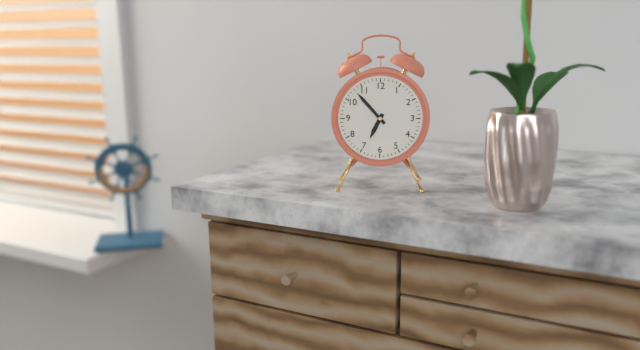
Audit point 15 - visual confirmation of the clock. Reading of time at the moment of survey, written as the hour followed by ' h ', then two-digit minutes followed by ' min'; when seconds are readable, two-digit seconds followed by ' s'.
6 h 53 min
